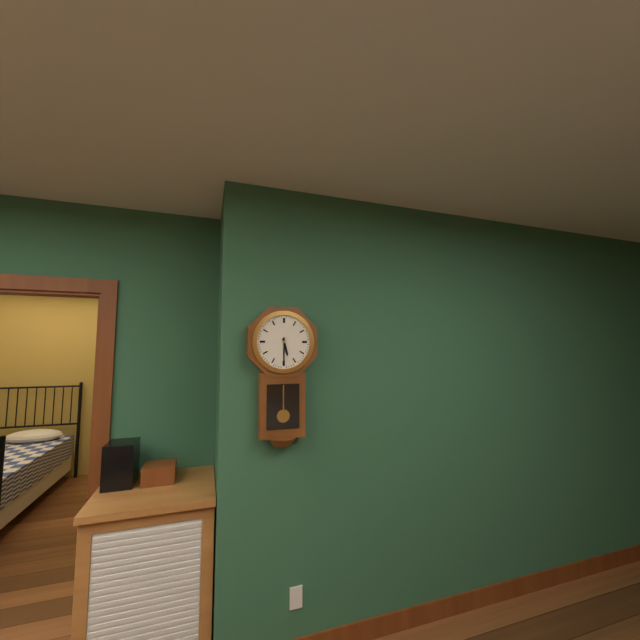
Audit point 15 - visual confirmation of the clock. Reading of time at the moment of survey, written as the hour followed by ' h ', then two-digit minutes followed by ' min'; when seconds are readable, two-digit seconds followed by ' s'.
5 h 30 min
